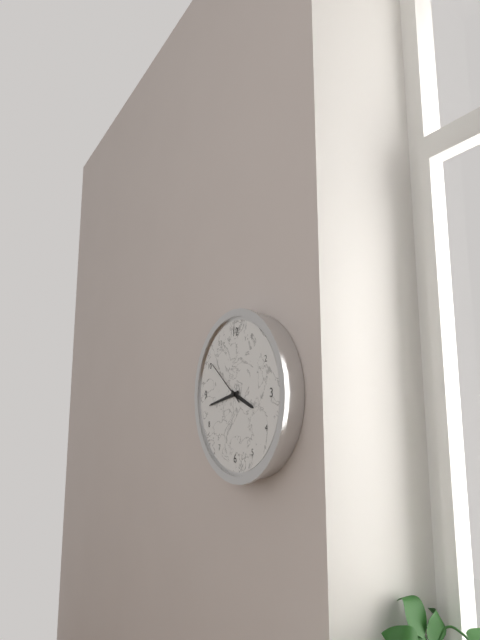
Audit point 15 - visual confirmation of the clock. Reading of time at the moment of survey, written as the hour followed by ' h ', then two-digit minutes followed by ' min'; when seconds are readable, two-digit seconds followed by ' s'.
3 h 43 min
